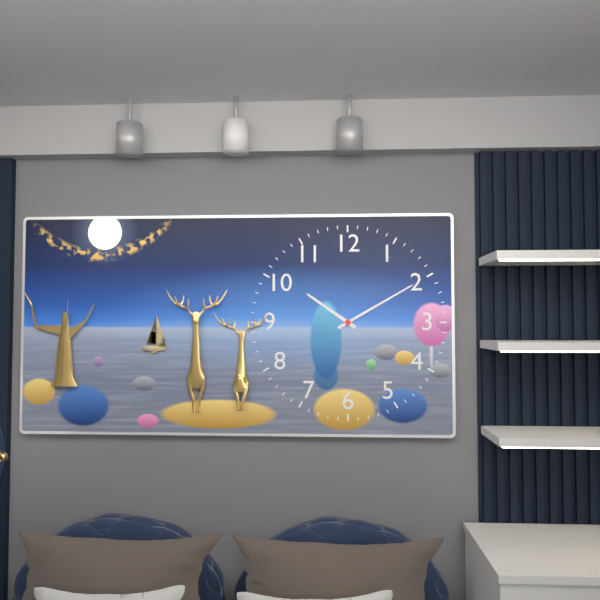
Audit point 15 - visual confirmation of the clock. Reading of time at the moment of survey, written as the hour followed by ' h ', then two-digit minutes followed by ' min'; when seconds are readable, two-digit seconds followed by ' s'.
10 h 10 min
